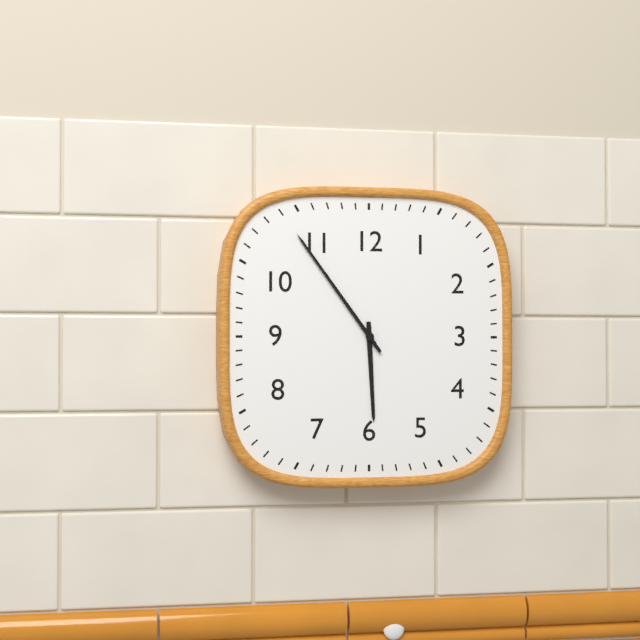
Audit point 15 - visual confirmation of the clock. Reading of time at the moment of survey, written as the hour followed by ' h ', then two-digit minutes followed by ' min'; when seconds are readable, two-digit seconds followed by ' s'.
5 h 54 min
